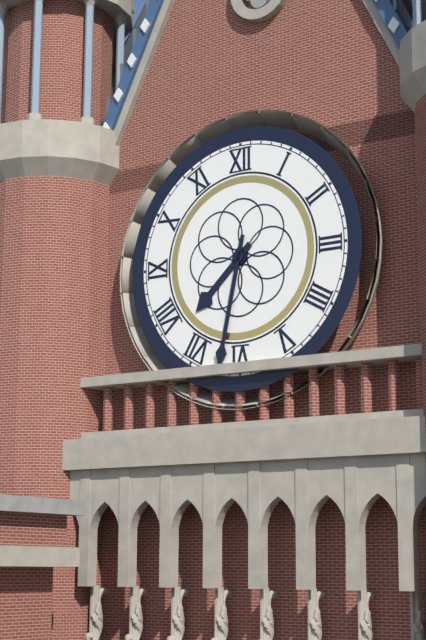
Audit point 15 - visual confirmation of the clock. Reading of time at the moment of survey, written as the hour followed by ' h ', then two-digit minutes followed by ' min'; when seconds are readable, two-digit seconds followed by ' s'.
7 h 32 min
